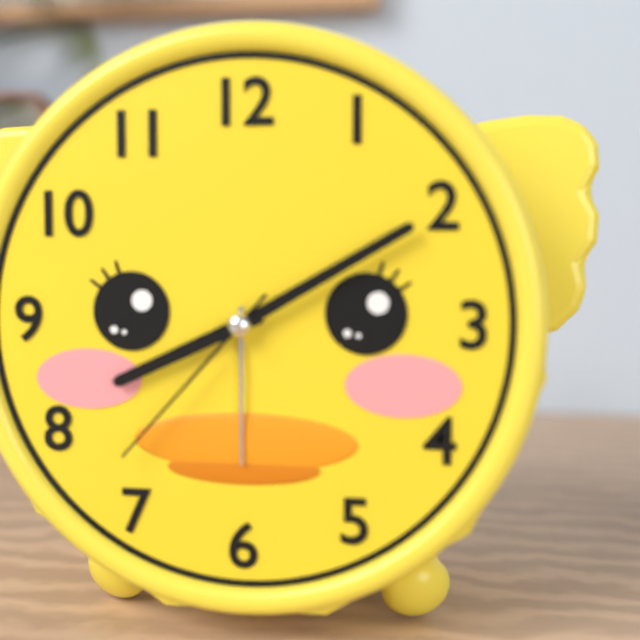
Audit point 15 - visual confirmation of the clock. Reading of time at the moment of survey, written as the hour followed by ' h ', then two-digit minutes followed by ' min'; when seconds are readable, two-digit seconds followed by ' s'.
8 h 10 min 37 s
